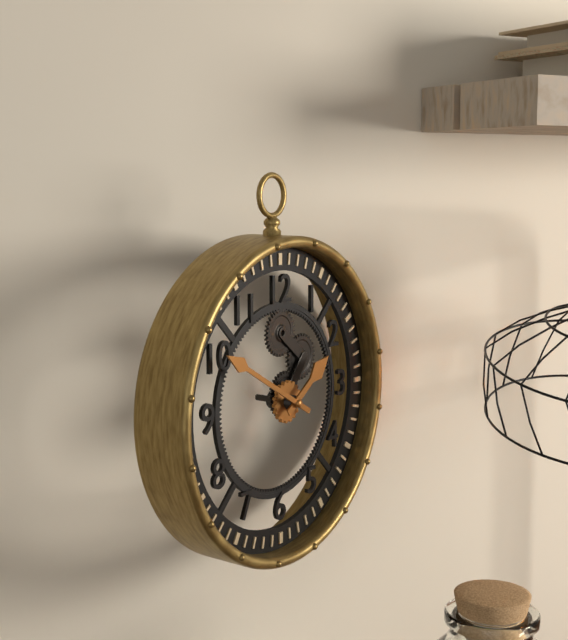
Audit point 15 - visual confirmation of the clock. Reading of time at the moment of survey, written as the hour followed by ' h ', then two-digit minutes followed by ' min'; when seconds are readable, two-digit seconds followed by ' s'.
1 h 50 min
